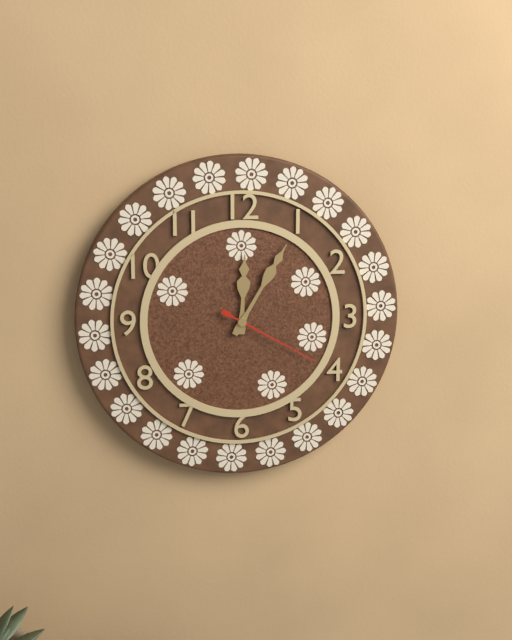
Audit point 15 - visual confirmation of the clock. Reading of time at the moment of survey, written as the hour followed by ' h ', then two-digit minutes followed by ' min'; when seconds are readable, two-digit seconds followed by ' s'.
12 h 05 min 20 s
